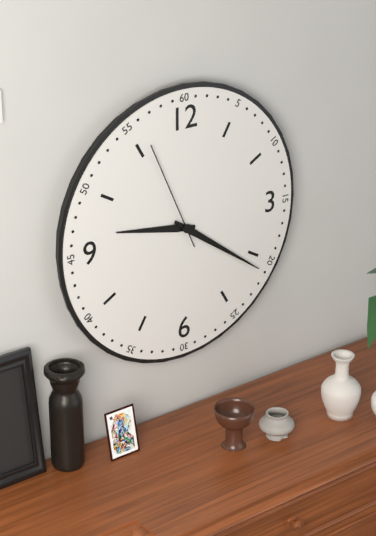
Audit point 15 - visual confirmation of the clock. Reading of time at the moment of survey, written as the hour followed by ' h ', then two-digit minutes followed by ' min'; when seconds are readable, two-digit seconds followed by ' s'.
9 h 21 min 56 s
